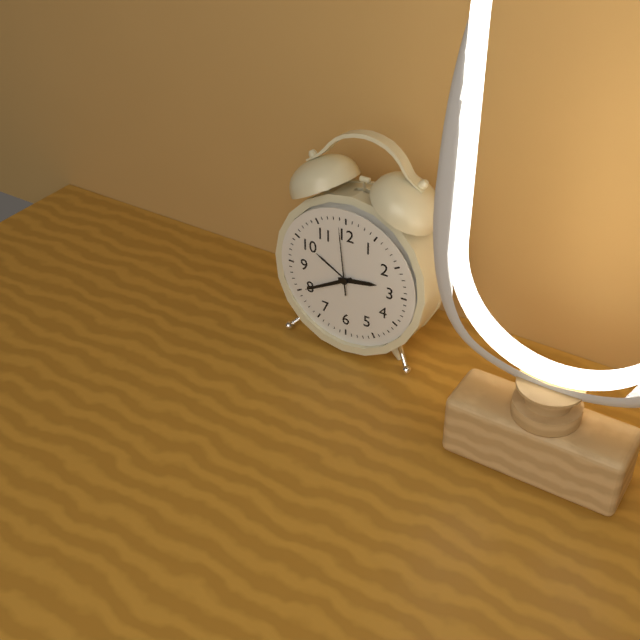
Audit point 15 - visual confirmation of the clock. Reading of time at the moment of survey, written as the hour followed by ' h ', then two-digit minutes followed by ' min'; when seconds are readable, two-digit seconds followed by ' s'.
2 h 40 min 59 s
